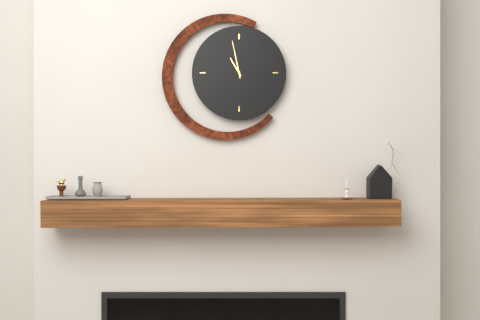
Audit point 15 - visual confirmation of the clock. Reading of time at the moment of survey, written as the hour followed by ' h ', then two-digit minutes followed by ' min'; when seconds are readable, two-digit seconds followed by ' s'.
10 h 58 min
